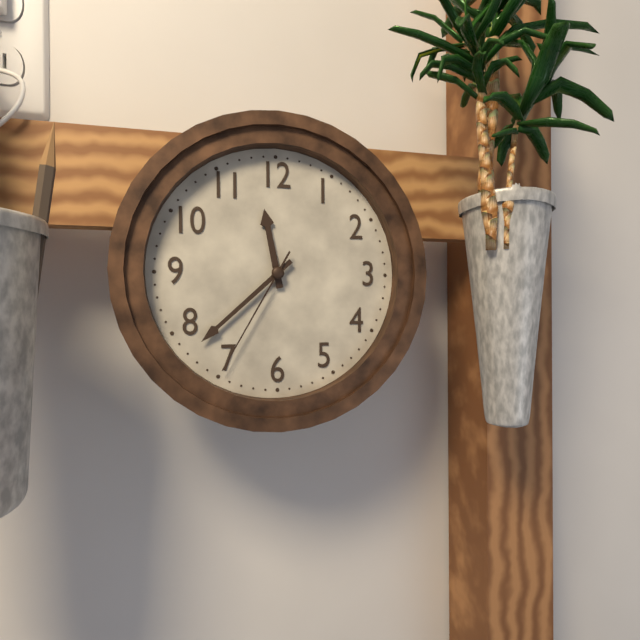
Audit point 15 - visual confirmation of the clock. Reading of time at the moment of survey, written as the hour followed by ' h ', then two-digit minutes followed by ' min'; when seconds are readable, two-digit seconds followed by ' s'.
11 h 38 min 35 s
